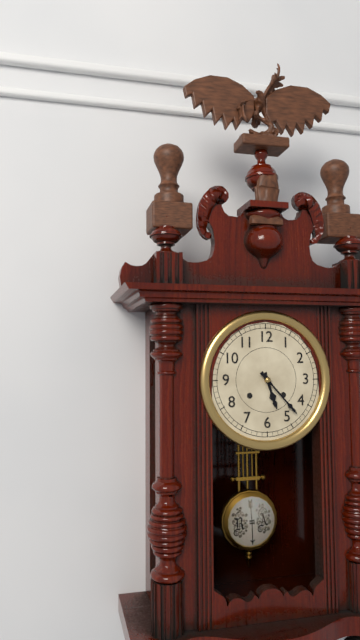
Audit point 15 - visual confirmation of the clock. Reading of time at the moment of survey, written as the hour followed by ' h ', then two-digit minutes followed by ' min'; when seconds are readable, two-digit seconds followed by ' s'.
5 h 23 min
